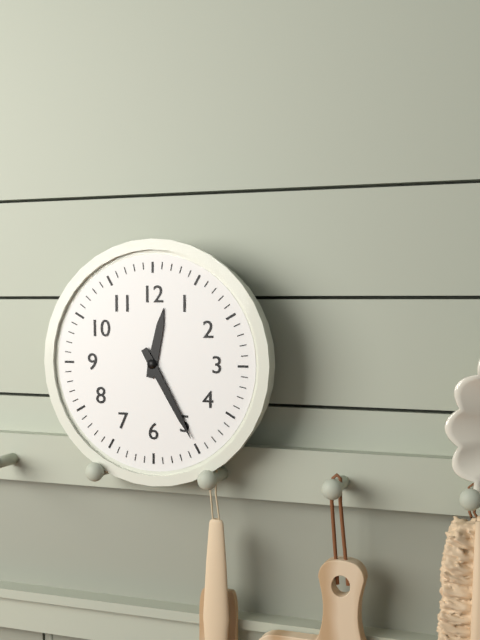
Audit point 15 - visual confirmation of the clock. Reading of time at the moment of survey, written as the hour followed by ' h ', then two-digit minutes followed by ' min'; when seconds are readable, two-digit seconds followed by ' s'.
12 h 25 min
